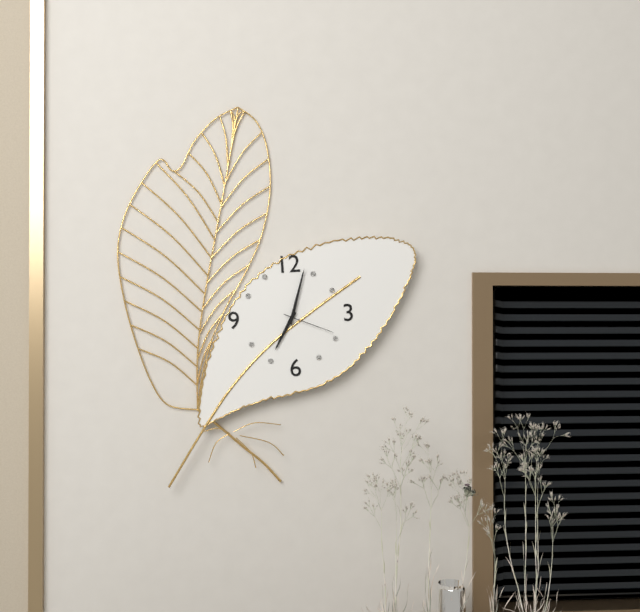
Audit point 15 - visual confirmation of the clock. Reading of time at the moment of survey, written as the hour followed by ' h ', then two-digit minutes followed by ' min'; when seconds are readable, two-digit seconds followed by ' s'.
7 h 03 min 19 s
